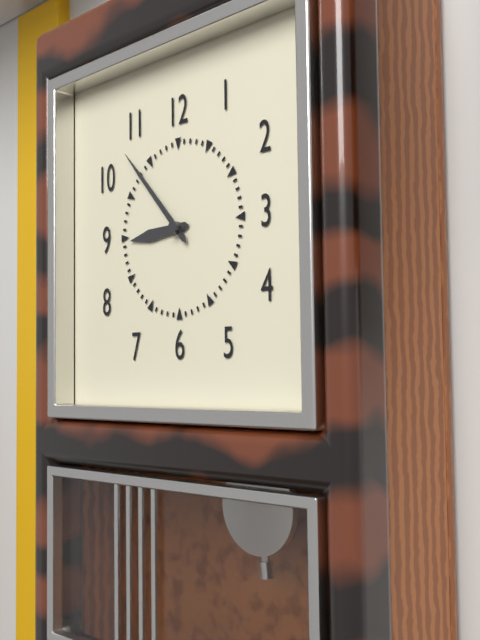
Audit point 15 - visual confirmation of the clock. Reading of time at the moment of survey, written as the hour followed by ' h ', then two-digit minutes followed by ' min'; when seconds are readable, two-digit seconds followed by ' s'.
8 h 53 min
